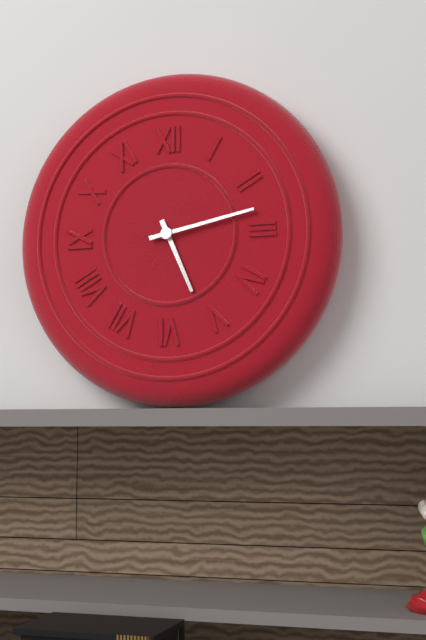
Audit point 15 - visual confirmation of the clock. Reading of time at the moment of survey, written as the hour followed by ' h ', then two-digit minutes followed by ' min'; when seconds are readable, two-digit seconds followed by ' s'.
5 h 13 min
